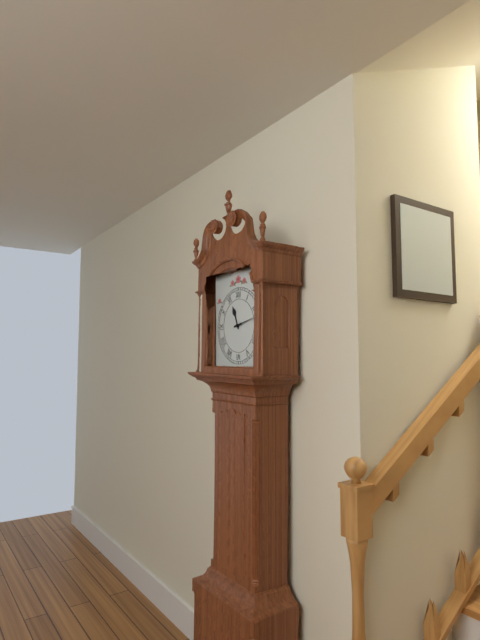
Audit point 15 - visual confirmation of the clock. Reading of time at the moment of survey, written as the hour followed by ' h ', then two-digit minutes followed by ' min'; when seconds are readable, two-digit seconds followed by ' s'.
11 h 13 min
